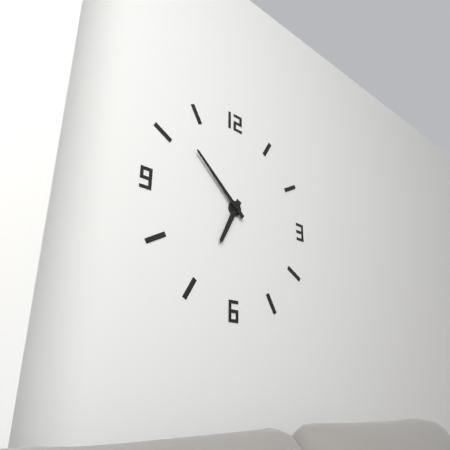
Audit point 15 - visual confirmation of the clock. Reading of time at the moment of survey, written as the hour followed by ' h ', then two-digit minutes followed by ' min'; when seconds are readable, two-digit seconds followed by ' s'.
6 h 52 min
